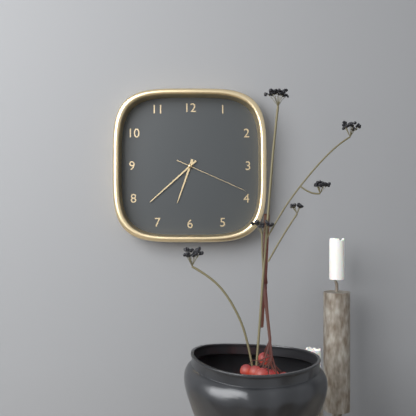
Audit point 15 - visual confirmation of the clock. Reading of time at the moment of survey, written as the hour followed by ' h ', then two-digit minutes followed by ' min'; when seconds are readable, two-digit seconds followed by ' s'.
6 h 38 min 19 s
